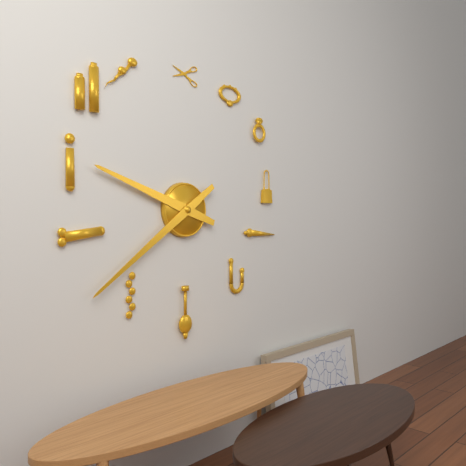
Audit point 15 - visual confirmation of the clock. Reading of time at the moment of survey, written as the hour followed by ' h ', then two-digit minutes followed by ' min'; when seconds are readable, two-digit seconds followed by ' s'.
9 h 39 min
